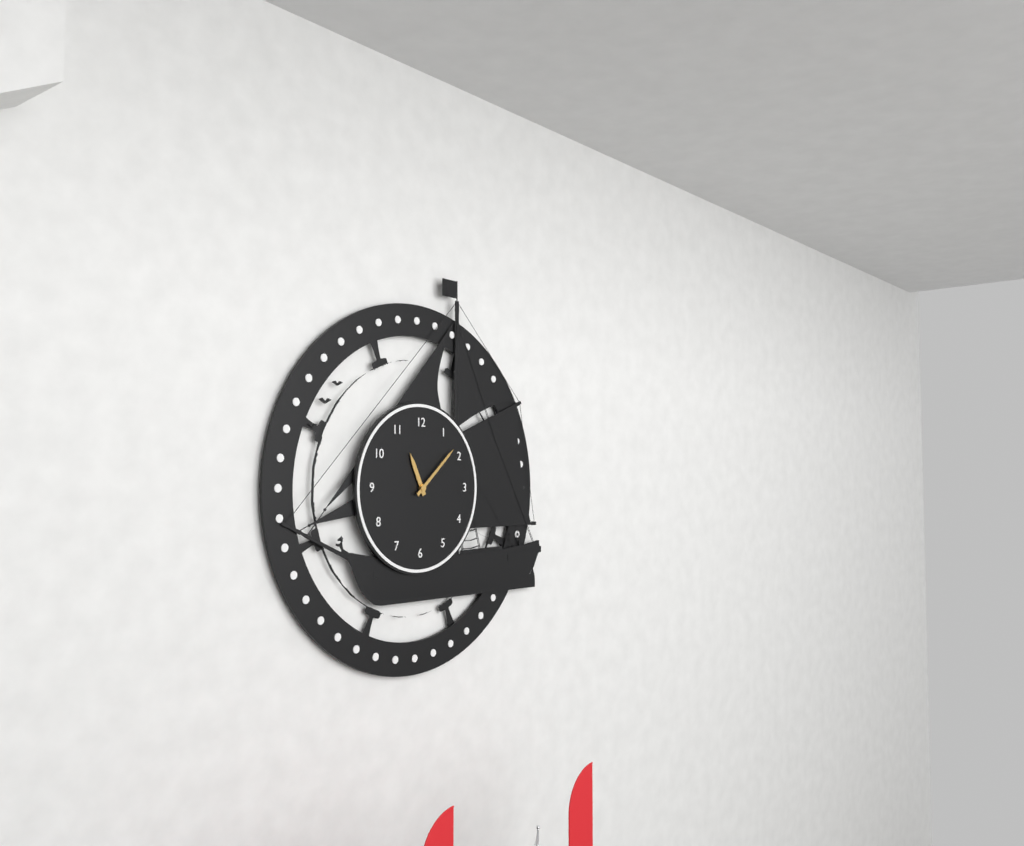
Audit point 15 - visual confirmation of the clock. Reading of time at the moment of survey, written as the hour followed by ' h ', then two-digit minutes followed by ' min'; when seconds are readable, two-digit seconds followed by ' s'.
11 h 08 min
